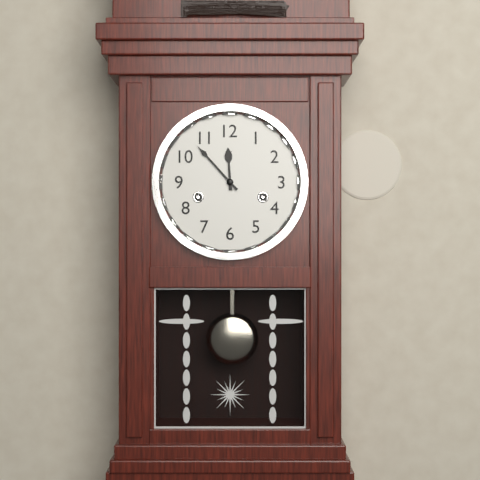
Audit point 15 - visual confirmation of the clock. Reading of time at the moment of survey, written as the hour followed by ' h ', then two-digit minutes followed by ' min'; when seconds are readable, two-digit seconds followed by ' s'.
11 h 53 min
